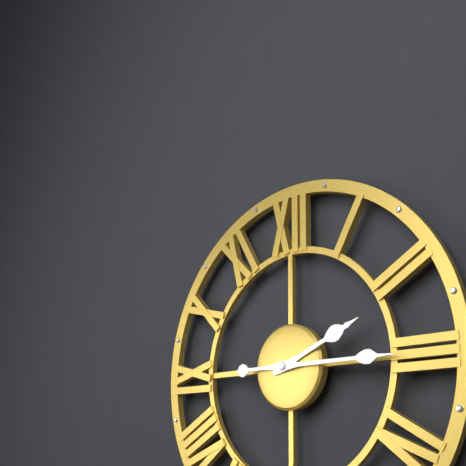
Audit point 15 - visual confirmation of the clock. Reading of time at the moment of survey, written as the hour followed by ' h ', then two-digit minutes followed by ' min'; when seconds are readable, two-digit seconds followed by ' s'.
2 h 15 min
